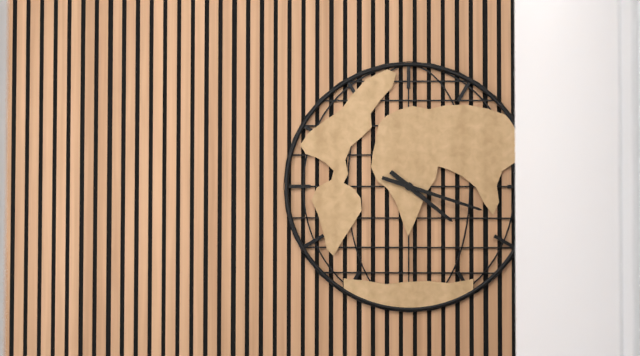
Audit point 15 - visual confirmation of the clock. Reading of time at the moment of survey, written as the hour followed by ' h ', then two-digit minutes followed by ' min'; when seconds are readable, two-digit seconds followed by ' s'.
4 h 18 min
